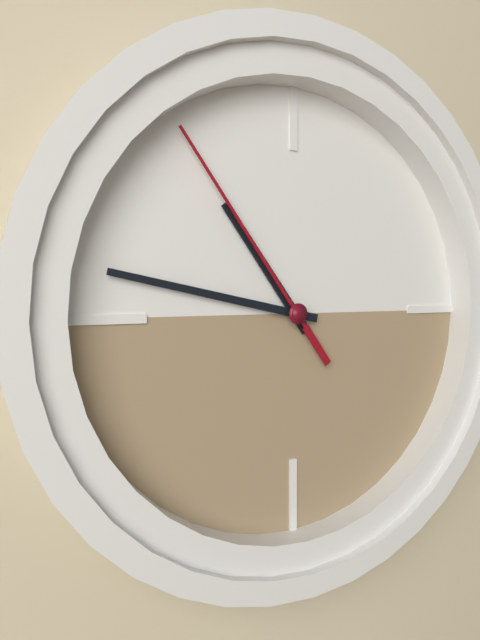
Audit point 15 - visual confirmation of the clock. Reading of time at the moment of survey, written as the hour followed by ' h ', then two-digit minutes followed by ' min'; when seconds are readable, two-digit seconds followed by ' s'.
10 h 47 min 54 s
